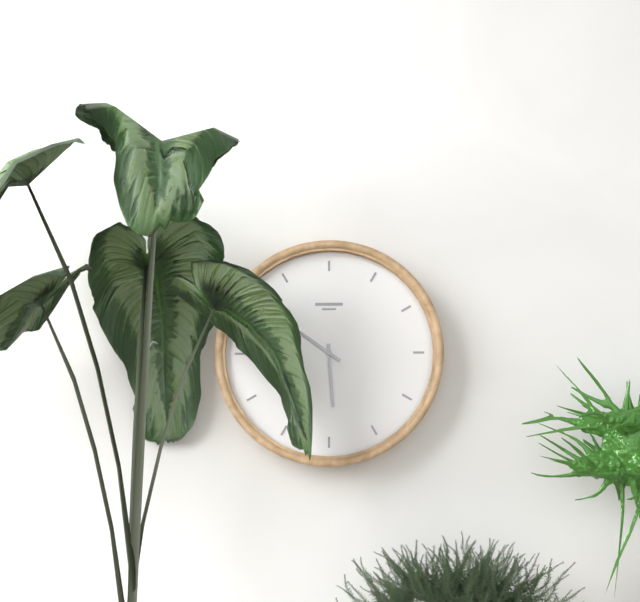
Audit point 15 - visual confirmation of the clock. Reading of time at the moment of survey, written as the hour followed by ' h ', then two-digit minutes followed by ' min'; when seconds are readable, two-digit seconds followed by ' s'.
5 h 51 min
